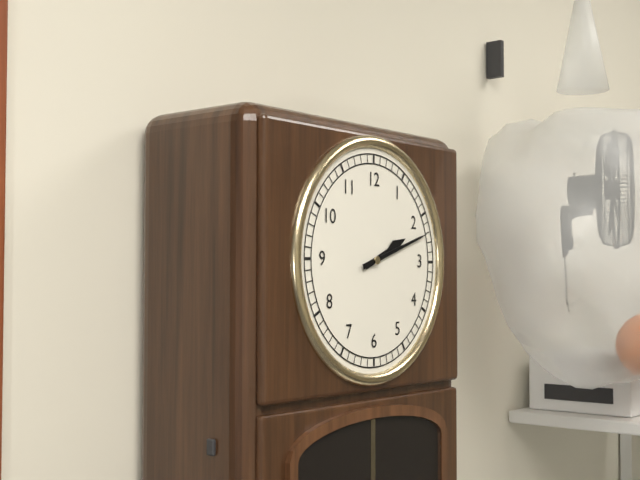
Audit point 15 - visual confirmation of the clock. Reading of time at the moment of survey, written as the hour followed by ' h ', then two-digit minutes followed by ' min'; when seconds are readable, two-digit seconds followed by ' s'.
2 h 12 min
